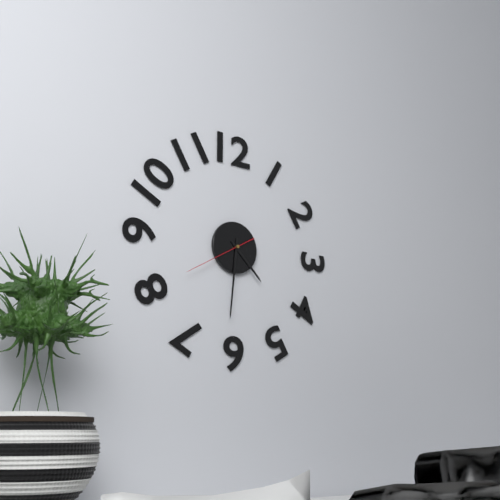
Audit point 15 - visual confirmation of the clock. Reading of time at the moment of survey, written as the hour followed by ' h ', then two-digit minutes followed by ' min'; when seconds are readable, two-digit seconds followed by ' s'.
4 h 31 min 40 s
